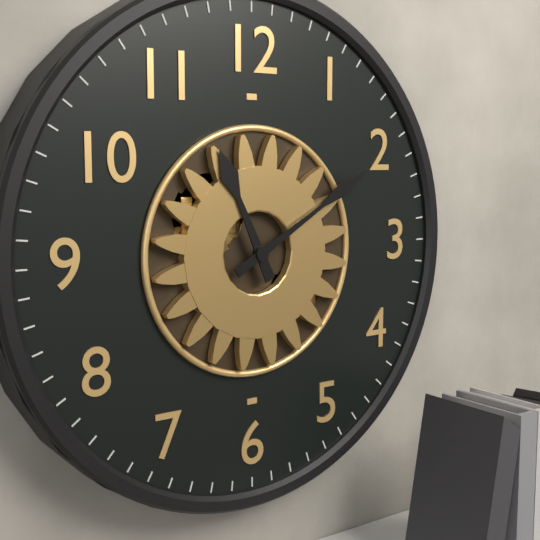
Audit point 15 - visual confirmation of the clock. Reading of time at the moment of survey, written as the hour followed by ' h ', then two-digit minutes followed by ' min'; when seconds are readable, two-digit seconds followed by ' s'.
11 h 10 min
